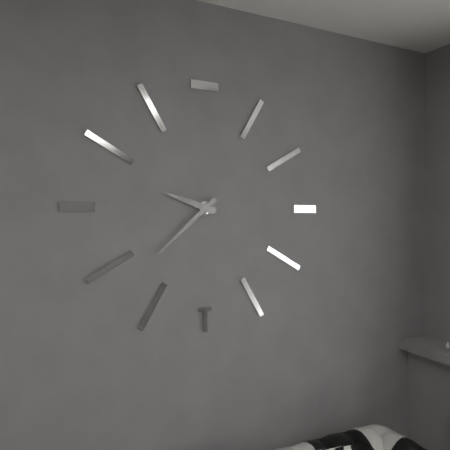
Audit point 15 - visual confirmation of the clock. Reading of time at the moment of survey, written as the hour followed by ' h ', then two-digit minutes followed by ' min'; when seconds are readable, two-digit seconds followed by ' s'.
9 h 38 min
